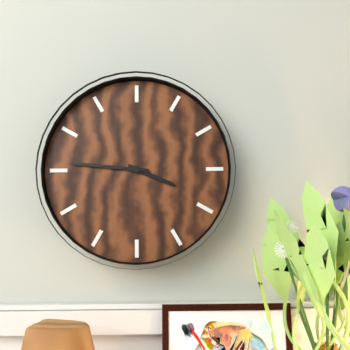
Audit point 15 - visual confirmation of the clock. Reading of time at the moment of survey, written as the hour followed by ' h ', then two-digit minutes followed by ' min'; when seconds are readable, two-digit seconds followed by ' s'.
3 h 46 min
